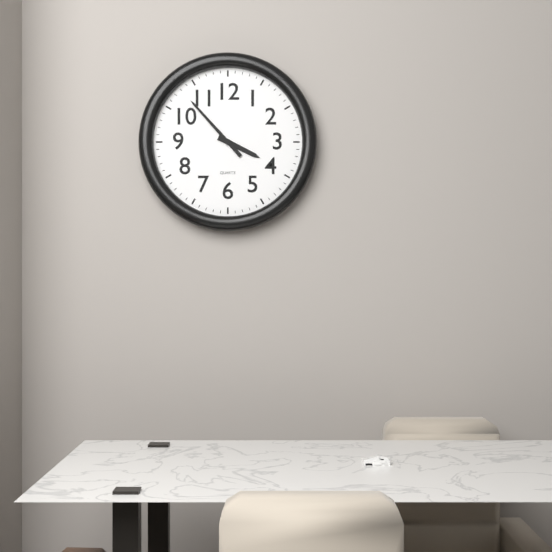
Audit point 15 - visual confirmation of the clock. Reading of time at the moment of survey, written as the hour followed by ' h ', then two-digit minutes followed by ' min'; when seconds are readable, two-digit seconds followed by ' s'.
3 h 53 min
